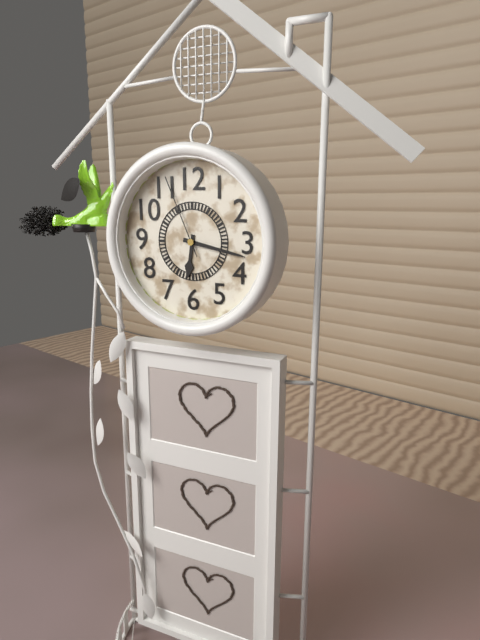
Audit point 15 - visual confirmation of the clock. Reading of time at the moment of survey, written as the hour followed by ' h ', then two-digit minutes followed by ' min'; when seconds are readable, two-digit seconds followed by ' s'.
6 h 17 min 56 s
